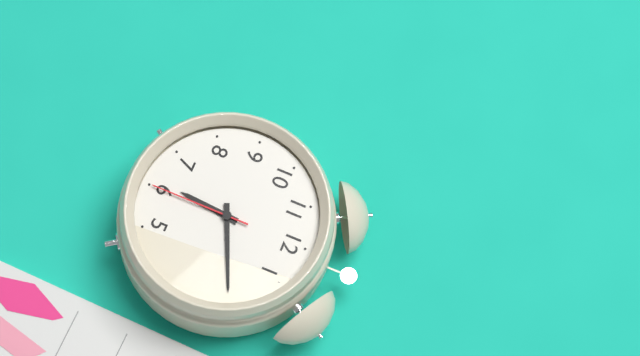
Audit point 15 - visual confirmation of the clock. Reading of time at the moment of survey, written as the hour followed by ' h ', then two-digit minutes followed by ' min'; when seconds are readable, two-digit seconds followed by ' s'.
6 h 11 min 30 s
